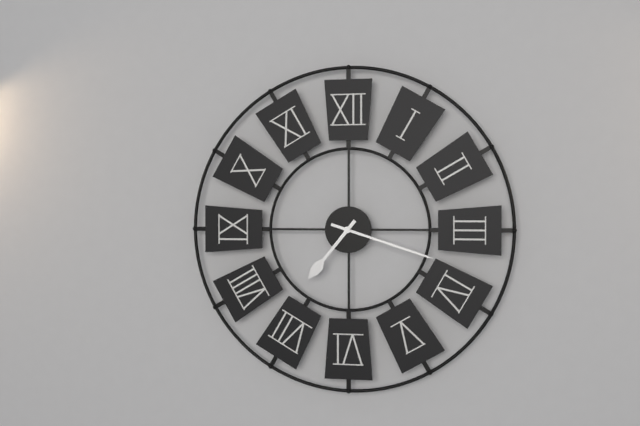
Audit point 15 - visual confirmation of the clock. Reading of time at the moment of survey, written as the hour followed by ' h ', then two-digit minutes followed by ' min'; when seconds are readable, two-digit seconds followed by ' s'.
7 h 18 min
